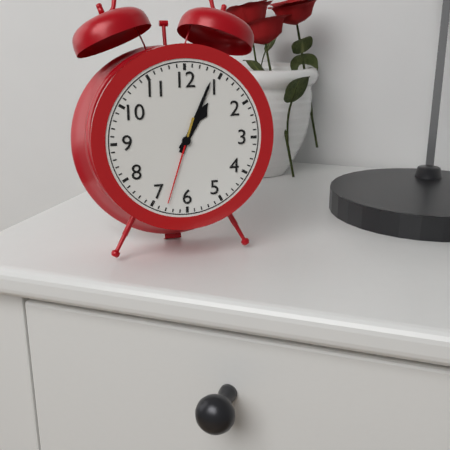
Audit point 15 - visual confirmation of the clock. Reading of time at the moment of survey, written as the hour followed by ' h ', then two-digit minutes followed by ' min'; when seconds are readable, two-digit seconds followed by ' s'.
1 h 04 min 33 s
